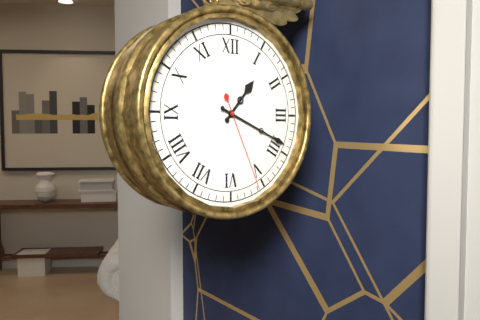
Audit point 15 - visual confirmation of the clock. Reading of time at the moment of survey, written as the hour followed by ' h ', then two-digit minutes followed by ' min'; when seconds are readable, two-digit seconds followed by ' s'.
1 h 19 min 26 s
